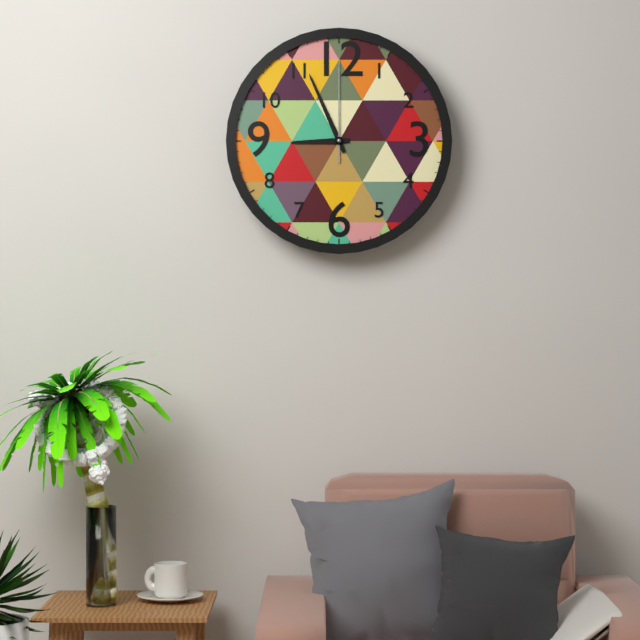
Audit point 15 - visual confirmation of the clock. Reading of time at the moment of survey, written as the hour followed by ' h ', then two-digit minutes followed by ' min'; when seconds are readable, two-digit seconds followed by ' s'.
8 h 56 min 00 s
